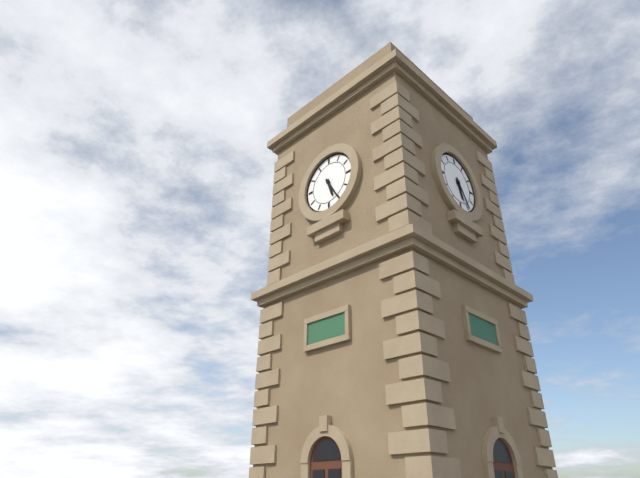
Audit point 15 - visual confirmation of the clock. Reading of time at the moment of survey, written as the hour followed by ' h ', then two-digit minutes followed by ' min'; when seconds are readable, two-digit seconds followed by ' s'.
5 h 25 min
